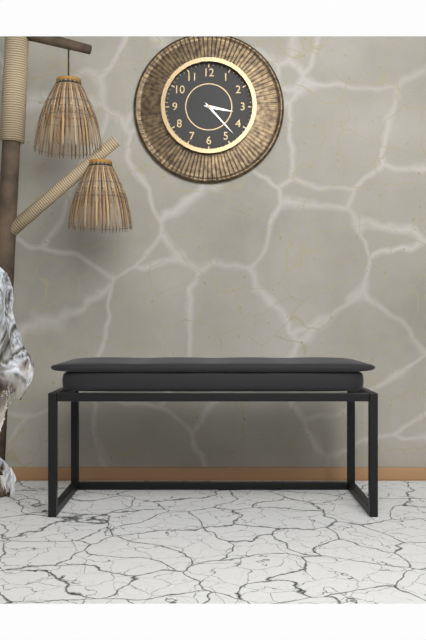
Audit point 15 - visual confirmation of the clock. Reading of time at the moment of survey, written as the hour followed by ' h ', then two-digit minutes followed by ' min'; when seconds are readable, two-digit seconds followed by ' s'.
3 h 23 min
